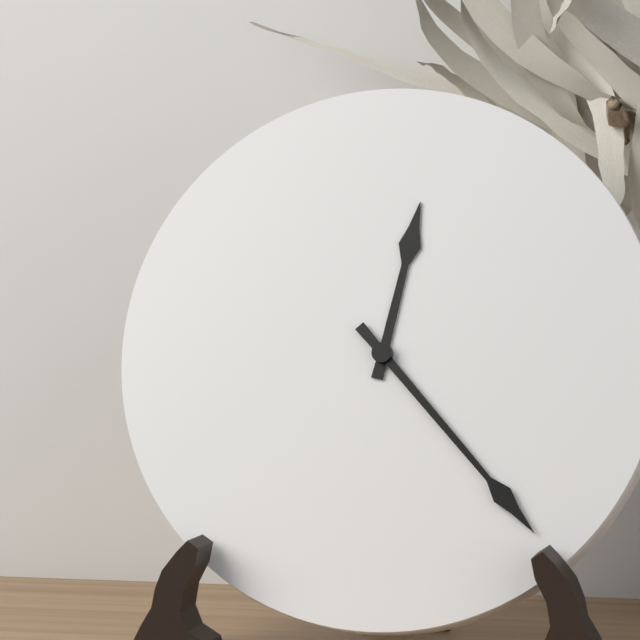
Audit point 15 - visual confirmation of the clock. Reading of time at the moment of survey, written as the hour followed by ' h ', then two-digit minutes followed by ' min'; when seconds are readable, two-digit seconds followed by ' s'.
12 h 23 min
